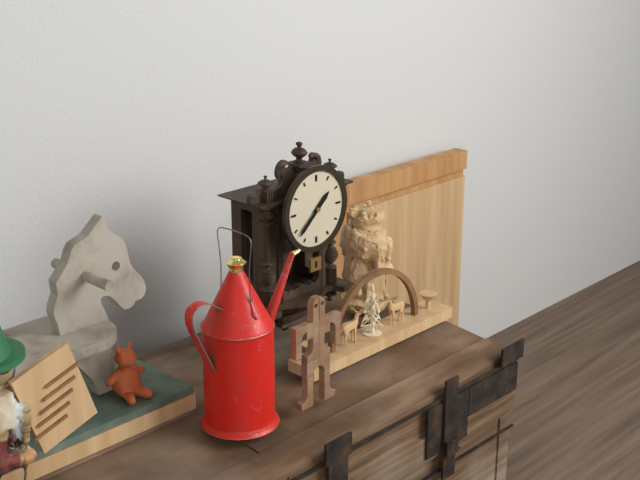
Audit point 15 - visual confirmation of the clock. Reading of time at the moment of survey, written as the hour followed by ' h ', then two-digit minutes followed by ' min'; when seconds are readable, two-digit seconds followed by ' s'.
1 h 38 min
